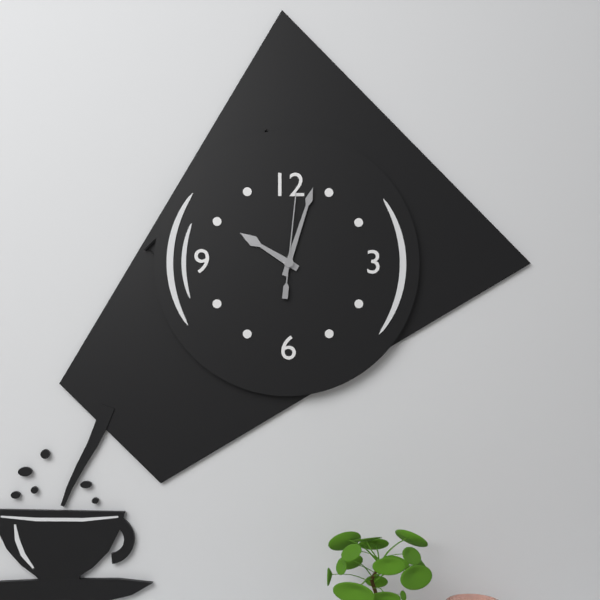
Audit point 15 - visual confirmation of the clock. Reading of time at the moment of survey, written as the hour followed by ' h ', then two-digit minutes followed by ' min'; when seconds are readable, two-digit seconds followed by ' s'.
10 h 03 min 01 s
